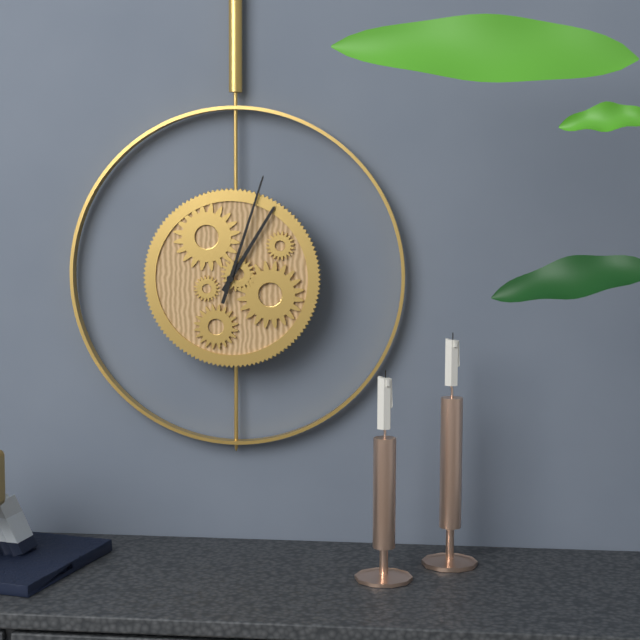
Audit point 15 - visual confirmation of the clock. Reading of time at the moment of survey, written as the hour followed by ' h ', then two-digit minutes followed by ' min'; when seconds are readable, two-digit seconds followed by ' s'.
1 h 03 min
